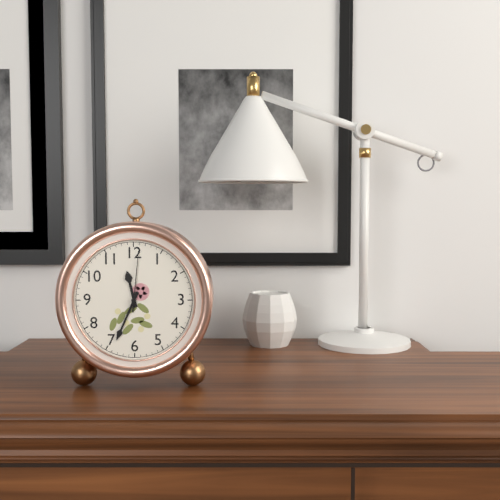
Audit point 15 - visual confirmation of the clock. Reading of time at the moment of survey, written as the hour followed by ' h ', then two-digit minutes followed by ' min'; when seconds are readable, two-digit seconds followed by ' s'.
11 h 34 min 01 s
